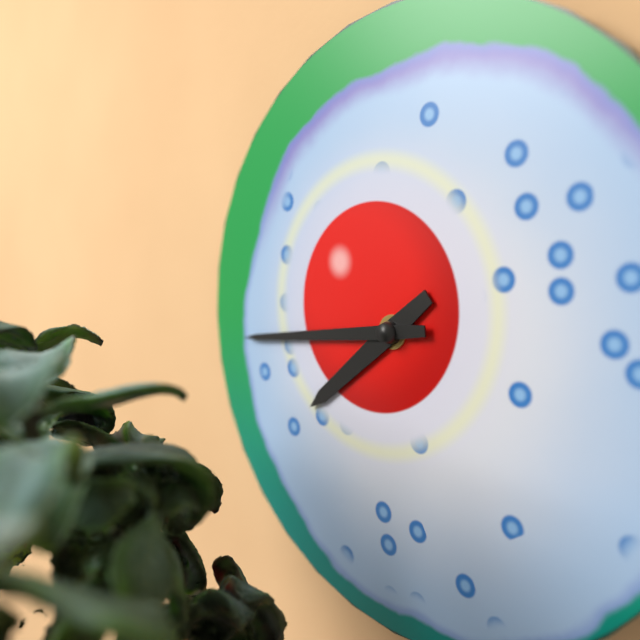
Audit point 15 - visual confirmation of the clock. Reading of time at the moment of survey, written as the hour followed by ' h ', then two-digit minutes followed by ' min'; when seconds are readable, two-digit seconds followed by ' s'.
7 h 44 min
